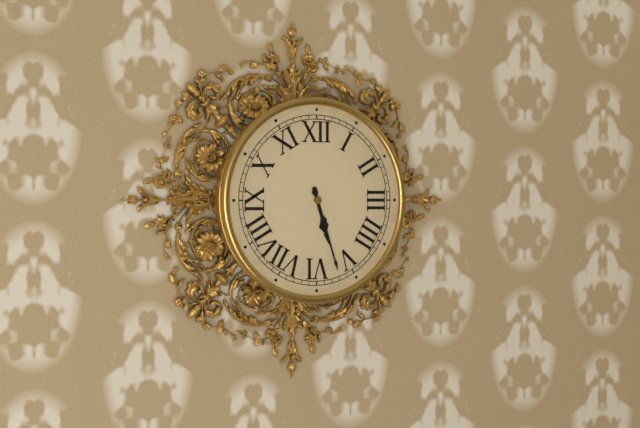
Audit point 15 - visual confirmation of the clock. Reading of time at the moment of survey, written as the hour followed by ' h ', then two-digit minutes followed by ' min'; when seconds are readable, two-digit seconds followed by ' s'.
5 h 27 min
